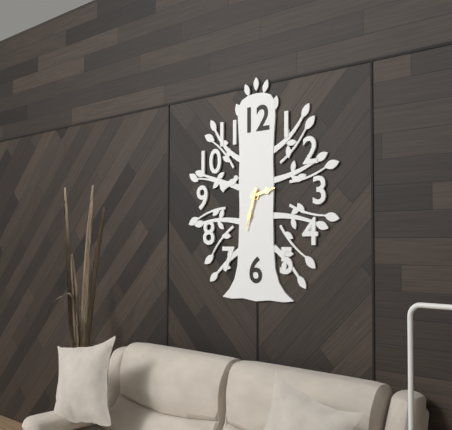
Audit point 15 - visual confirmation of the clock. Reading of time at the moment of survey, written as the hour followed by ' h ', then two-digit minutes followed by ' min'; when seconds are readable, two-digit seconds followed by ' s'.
2 h 33 min
